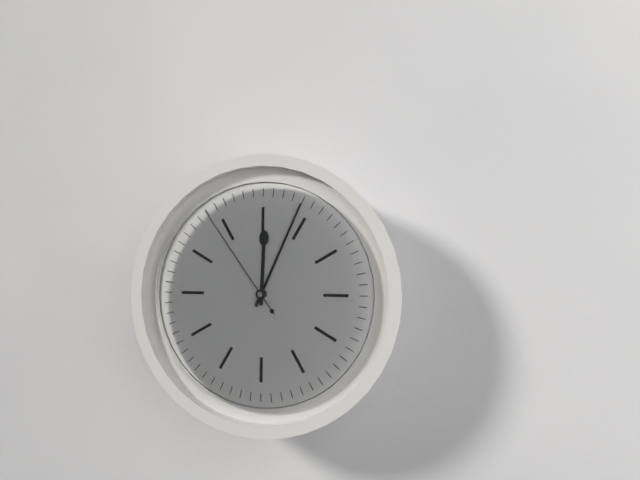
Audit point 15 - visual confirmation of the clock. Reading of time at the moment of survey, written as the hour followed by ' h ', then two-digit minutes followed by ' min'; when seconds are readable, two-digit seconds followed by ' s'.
12 h 04 min 54 s
